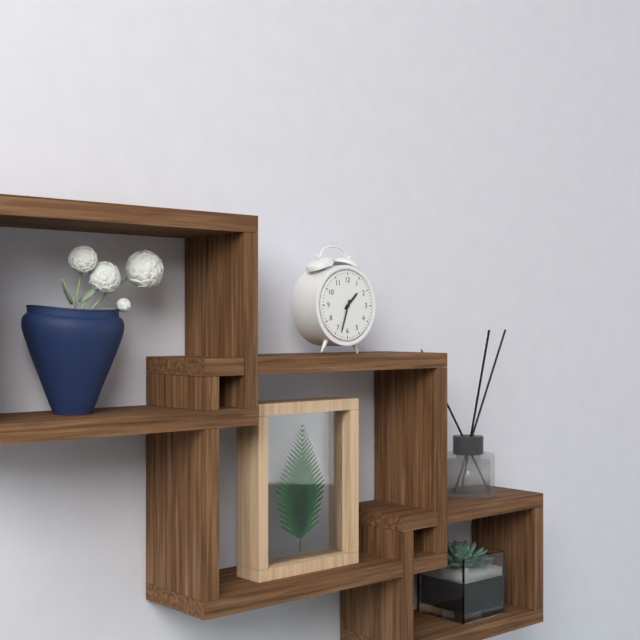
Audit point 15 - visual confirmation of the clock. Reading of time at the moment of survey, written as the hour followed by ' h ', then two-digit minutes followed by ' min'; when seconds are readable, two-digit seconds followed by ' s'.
1 h 33 min
